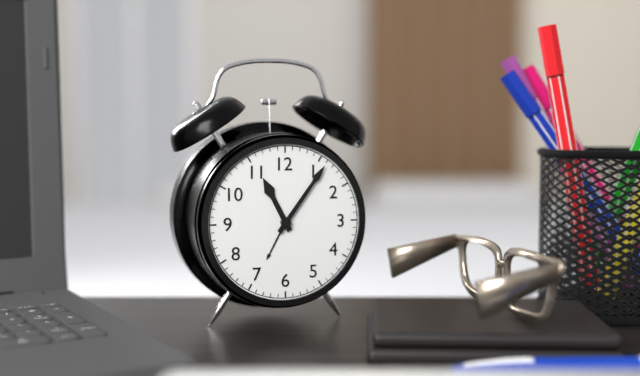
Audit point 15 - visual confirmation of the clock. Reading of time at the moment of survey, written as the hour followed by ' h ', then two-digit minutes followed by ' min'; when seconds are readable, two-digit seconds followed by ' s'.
11 h 06 min
